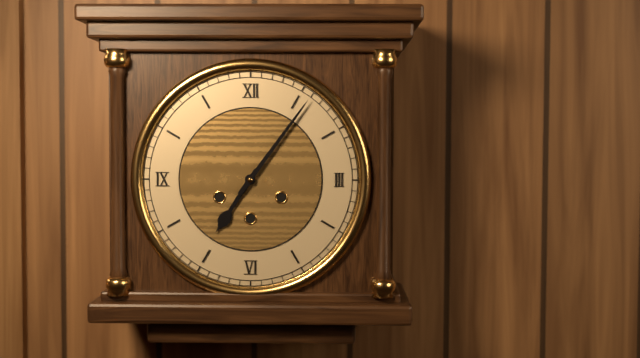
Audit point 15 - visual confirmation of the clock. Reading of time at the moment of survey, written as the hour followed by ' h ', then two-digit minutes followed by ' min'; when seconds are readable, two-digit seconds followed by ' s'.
7 h 06 min
